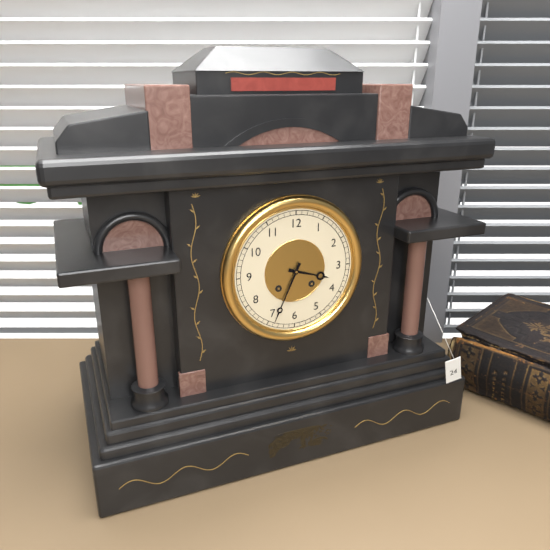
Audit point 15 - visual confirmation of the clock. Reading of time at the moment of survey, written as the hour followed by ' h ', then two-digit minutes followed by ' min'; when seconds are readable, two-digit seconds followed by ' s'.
3 h 34 min
